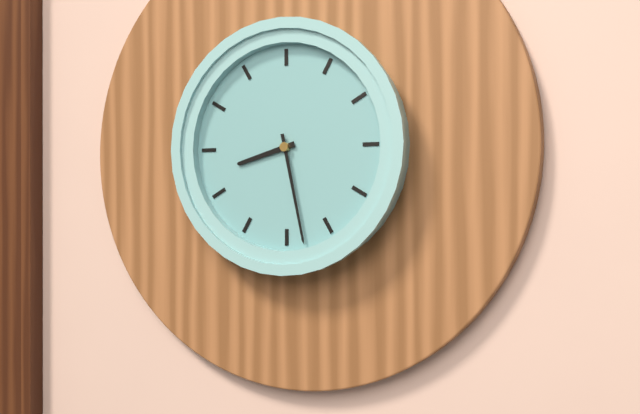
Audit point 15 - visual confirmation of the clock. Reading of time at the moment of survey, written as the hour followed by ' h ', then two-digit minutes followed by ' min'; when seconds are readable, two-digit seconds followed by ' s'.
8 h 28 min
